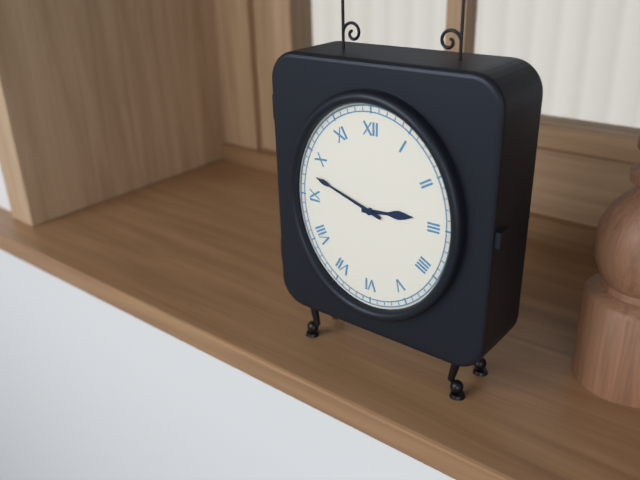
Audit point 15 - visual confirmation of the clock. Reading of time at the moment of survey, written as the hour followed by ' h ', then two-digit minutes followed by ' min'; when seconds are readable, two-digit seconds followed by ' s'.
2 h 48 min
